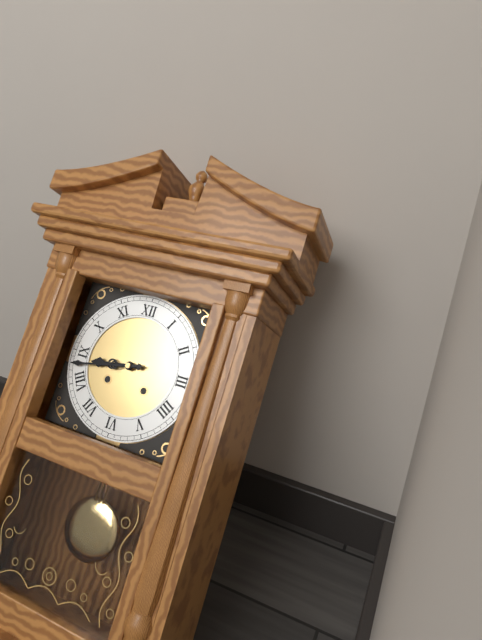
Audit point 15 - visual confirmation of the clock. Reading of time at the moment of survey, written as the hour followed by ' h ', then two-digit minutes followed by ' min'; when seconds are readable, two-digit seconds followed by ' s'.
8 h 43 min
